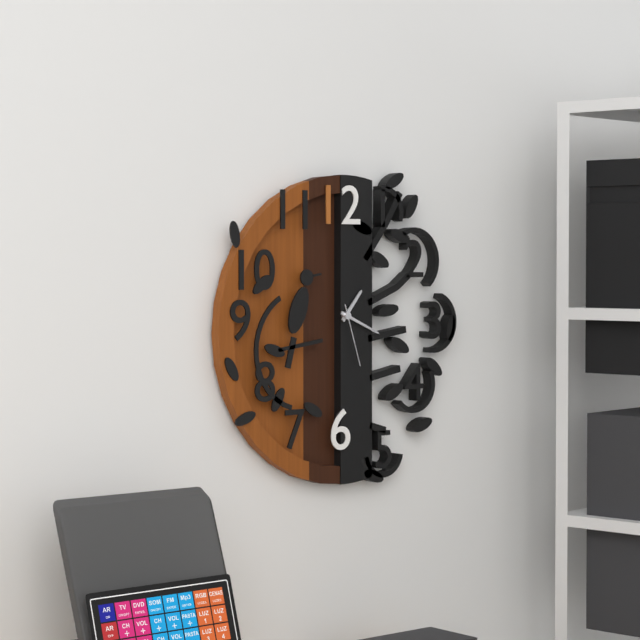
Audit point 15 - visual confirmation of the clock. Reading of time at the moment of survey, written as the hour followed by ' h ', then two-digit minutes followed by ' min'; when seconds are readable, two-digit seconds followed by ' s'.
1 h 19 min 27 s
